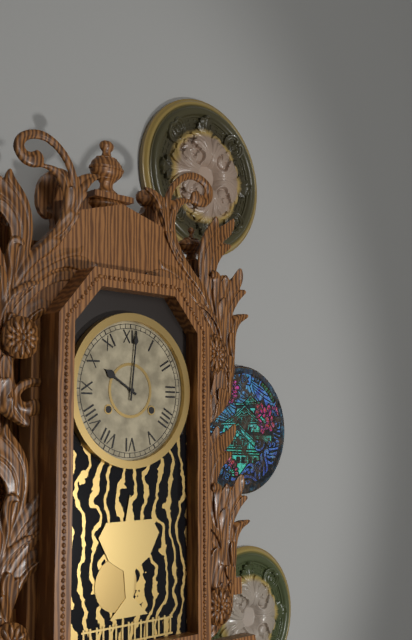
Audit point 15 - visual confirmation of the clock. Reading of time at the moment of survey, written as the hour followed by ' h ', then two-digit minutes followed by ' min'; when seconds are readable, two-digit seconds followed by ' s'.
10 h 01 min
